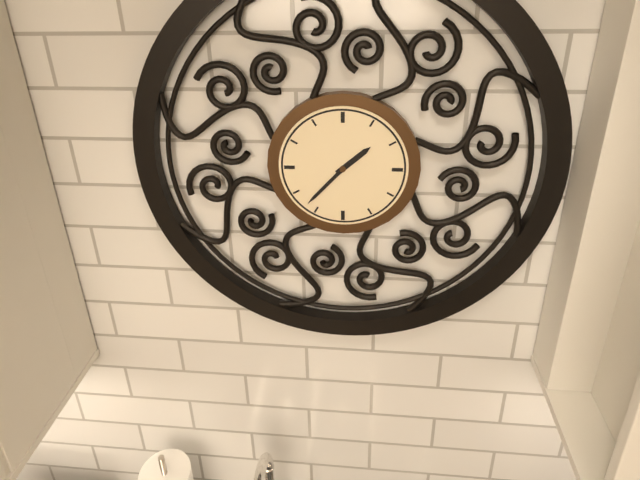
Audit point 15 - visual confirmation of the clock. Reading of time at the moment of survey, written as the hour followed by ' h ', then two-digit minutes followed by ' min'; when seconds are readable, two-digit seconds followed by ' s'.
1 h 37 min
